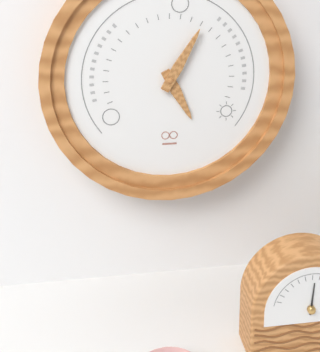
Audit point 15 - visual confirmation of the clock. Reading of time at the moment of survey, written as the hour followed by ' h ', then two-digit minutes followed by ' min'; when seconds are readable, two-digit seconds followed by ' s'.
5 h 05 min
